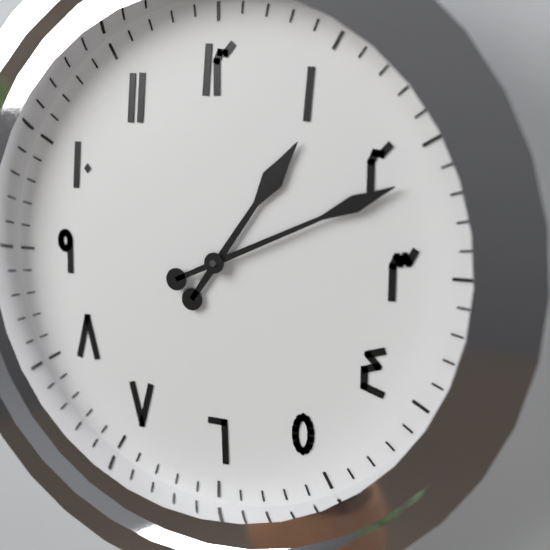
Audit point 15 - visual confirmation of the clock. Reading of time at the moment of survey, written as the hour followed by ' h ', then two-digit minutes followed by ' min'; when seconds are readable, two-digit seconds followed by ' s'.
1 h 11 min
